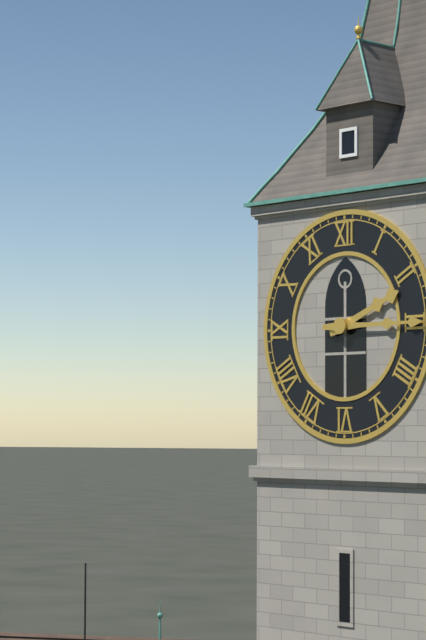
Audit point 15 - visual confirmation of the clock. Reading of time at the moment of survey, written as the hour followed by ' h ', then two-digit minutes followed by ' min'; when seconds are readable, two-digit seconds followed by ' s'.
2 h 15 min
